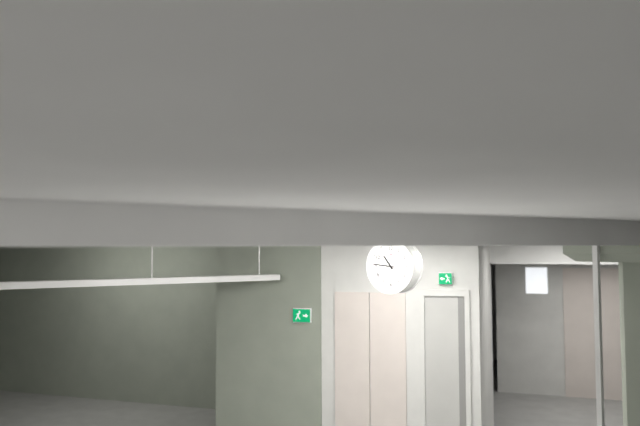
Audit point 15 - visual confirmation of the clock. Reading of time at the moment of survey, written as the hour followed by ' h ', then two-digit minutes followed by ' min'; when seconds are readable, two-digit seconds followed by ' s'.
10 h 46 min
